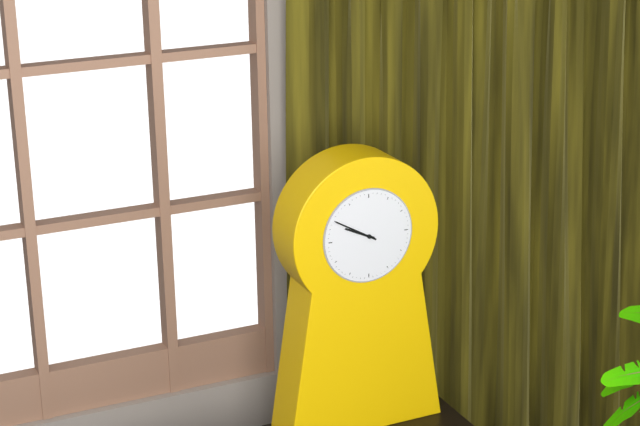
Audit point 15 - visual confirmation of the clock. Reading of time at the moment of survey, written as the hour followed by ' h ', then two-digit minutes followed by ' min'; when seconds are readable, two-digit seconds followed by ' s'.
9 h 50 min
